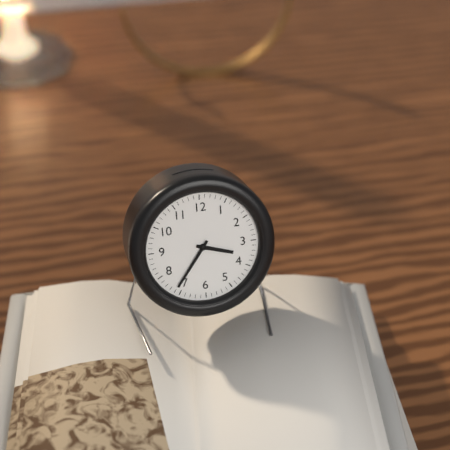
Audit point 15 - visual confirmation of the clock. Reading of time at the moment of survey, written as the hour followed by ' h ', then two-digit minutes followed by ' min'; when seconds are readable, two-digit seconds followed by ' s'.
3 h 36 min
